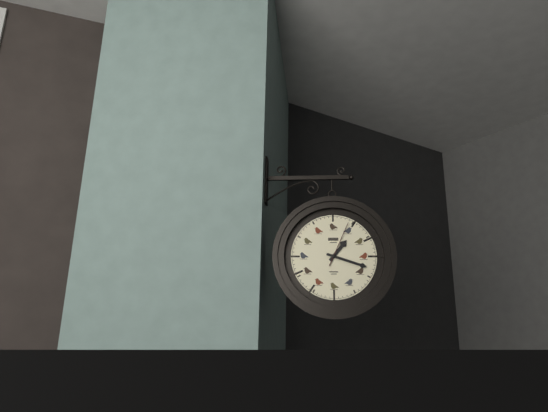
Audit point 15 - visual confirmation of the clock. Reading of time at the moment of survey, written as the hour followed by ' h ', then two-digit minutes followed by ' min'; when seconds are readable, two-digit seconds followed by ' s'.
1 h 18 min
